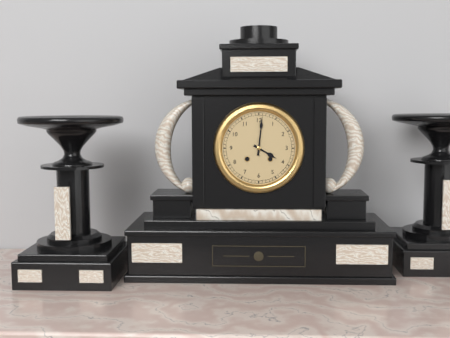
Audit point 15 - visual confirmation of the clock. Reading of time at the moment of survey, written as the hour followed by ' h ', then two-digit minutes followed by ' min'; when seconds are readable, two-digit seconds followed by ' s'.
4 h 01 min
